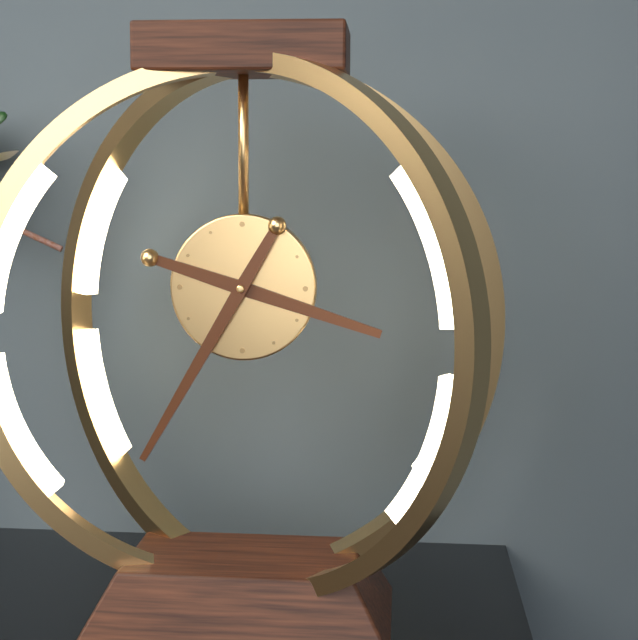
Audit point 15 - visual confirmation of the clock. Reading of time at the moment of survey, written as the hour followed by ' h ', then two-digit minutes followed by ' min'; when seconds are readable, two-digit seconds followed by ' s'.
3 h 35 min
